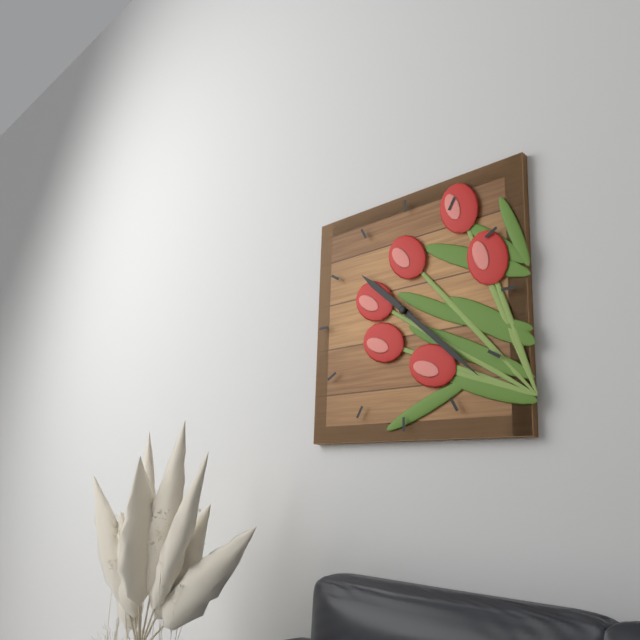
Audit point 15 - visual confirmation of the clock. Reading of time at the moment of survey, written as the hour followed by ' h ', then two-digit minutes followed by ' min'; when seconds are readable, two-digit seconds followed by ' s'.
10 h 22 min
